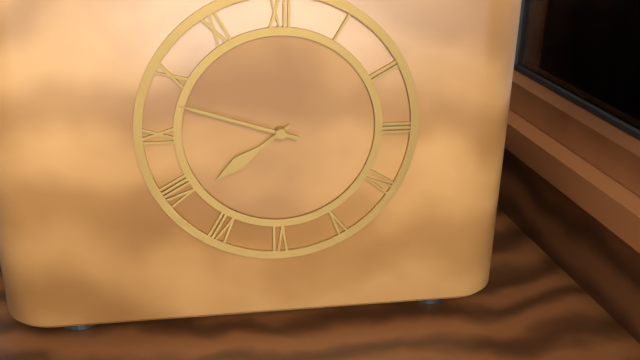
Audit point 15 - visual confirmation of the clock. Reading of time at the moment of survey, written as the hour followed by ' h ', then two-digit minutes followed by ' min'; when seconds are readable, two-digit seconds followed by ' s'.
7 h 48 min
